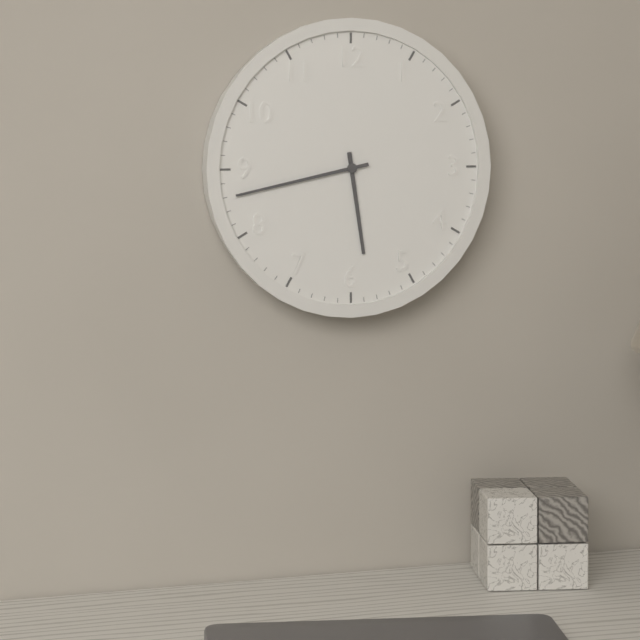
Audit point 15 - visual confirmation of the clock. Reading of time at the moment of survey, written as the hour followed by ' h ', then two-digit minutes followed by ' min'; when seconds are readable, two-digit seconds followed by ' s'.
5 h 43 min
